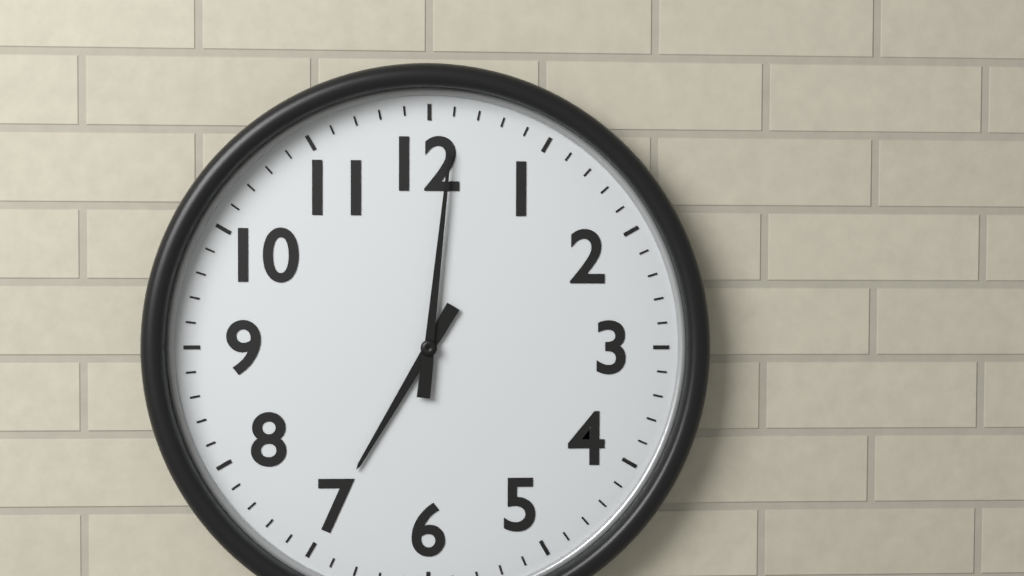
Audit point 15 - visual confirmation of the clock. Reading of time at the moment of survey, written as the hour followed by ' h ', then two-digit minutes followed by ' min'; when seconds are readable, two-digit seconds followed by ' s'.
7 h 01 min
